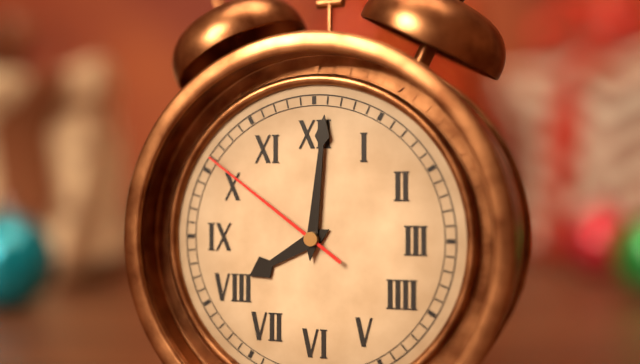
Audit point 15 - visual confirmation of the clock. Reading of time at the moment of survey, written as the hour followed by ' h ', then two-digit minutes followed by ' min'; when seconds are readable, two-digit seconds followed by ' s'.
8 h 01 min 51 s
